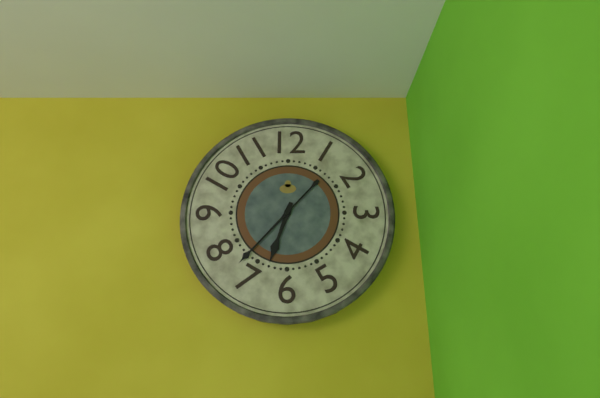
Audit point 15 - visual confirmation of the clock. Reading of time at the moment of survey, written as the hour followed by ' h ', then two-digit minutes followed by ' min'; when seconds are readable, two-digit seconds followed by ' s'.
6 h 37 min
